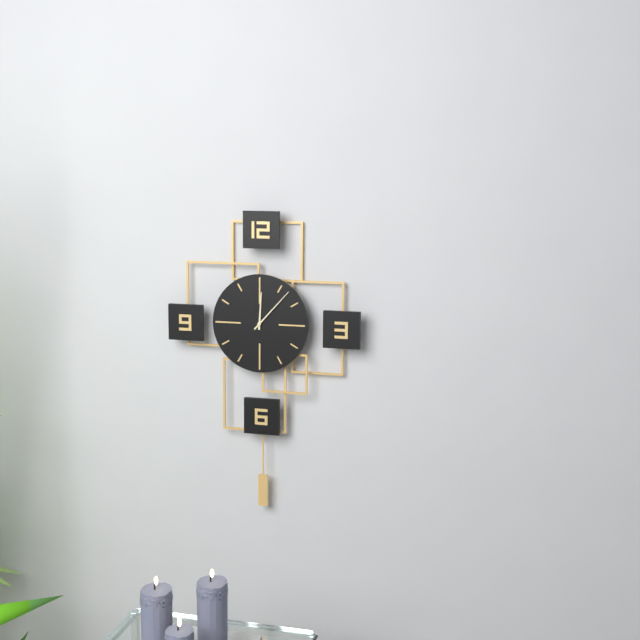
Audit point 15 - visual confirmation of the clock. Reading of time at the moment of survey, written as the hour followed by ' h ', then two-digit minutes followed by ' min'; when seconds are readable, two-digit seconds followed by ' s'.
12 h 07 min
